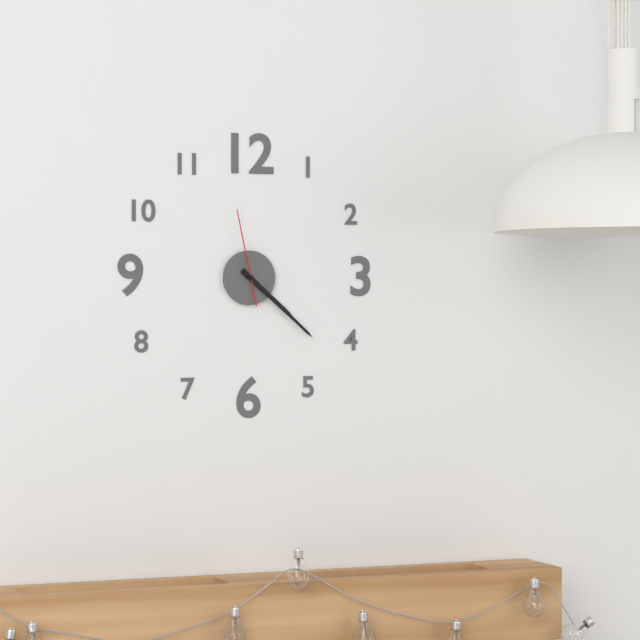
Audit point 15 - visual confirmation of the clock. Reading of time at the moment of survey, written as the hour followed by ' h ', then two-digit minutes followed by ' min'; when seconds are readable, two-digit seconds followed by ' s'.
4 h 22 min 58 s
